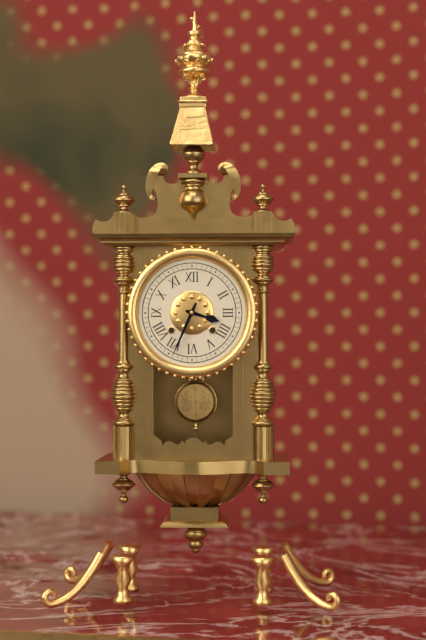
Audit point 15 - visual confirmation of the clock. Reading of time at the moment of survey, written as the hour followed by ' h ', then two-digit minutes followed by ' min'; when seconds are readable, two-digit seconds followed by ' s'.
3 h 34 min
